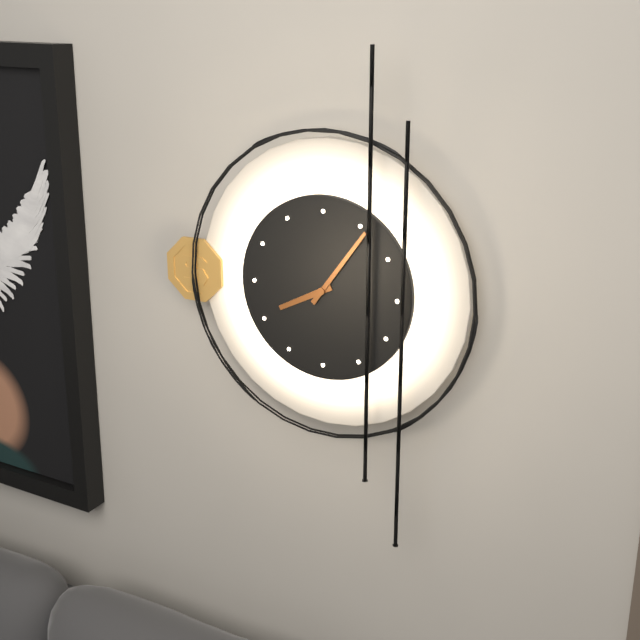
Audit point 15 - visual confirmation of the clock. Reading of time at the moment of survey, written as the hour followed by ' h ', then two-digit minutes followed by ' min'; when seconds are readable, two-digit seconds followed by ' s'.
8 h 06 min
